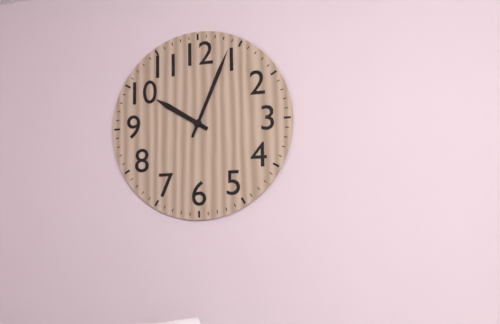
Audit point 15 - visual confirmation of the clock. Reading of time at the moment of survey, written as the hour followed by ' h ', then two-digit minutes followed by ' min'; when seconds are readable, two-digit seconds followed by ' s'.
10 h 04 min
